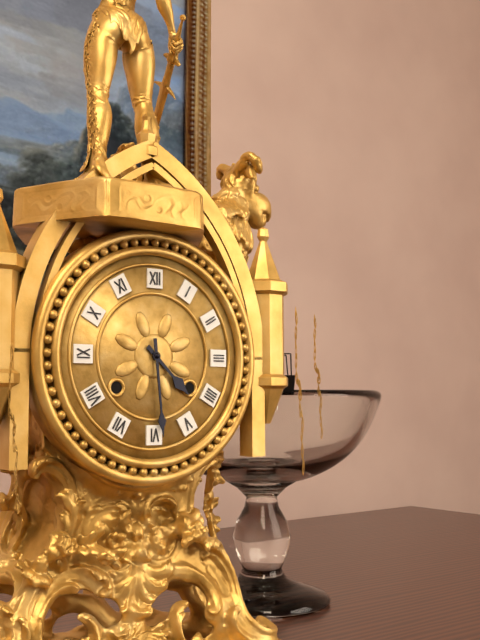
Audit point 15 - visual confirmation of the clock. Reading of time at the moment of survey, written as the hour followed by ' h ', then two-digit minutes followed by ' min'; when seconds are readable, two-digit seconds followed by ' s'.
4 h 29 min
